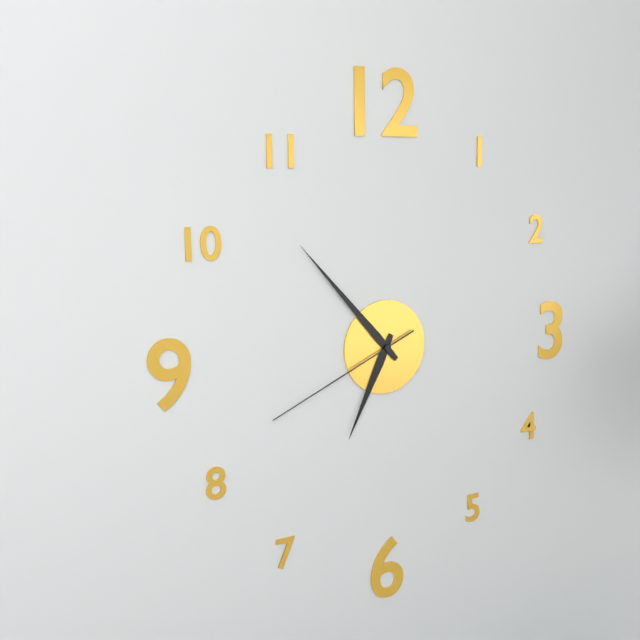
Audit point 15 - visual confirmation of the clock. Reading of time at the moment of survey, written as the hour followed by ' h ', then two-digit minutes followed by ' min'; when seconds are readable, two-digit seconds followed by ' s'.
6 h 53 min 41 s
